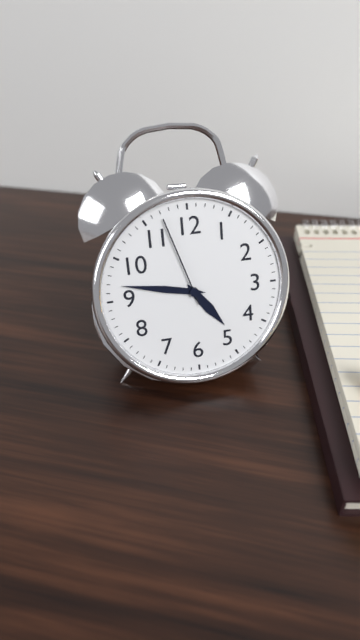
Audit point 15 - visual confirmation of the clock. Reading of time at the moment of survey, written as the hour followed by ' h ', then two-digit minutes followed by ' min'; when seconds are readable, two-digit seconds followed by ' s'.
4 h 47 min 57 s
